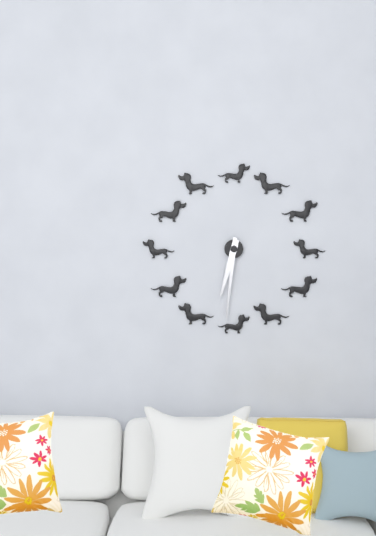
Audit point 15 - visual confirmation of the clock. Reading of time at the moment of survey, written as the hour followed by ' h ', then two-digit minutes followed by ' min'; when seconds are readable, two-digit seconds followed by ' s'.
6 h 31 min
